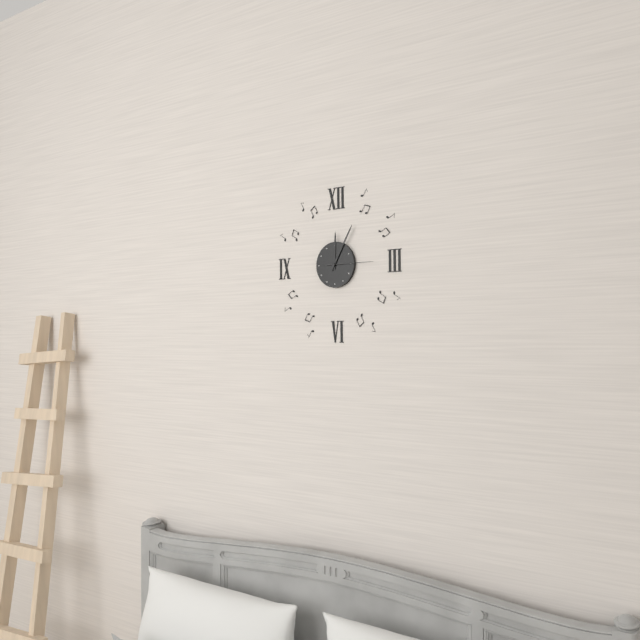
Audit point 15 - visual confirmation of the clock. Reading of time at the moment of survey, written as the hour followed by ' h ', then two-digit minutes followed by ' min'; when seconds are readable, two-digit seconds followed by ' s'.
12 h 05 min 15 s
